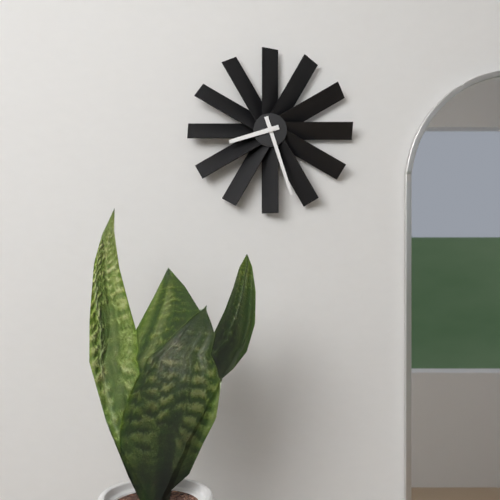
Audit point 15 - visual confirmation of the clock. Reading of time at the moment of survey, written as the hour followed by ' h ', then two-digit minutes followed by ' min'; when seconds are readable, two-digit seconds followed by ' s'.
8 h 27 min
